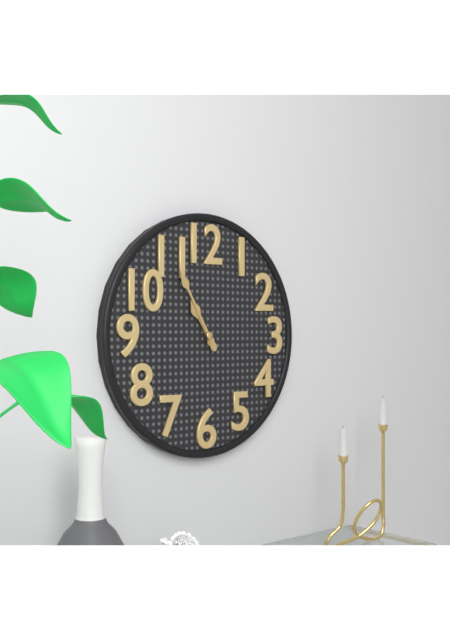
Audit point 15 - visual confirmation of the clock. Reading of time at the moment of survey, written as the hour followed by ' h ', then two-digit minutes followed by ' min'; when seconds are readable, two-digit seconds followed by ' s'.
10 h 55 min
